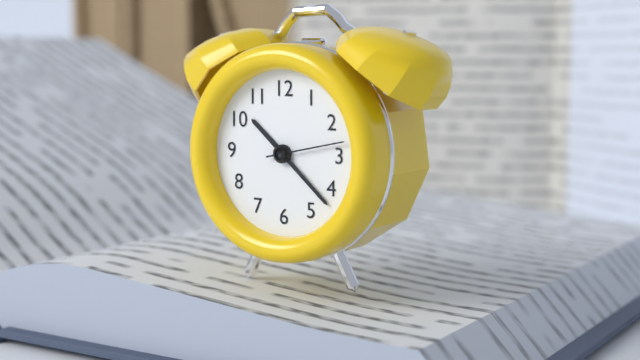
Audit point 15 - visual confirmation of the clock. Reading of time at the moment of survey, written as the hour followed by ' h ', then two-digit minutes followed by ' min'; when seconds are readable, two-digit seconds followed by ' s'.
10 h 22 min 13 s
